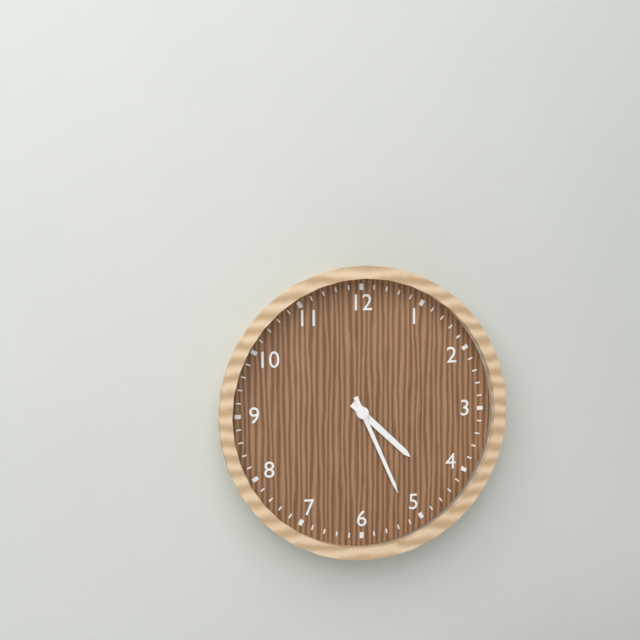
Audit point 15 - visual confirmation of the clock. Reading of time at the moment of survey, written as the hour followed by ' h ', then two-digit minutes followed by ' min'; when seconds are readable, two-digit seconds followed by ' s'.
4 h 26 min
